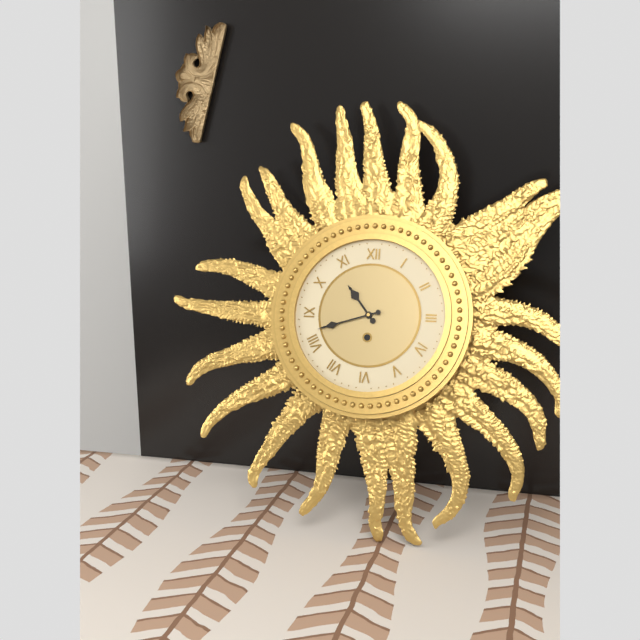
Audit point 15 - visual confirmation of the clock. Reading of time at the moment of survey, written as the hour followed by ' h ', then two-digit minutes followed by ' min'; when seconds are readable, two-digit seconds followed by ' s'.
10 h 42 min
